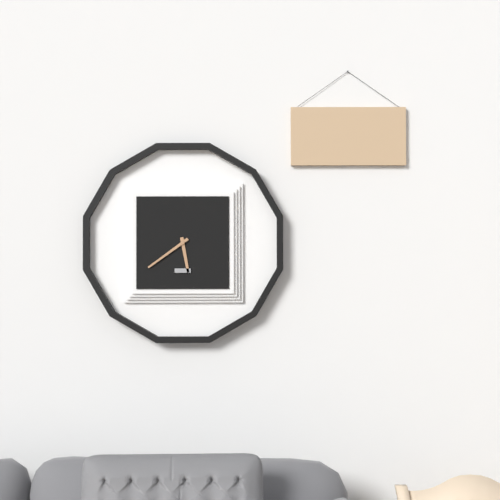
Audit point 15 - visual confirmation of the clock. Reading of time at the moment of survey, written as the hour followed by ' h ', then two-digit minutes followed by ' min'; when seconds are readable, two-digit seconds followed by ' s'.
5 h 39 min
